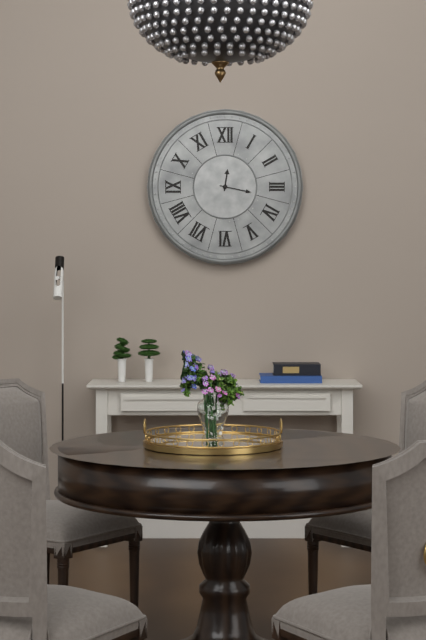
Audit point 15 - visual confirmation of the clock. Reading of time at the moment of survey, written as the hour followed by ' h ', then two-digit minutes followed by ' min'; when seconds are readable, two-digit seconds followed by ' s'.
12 h 17 min
